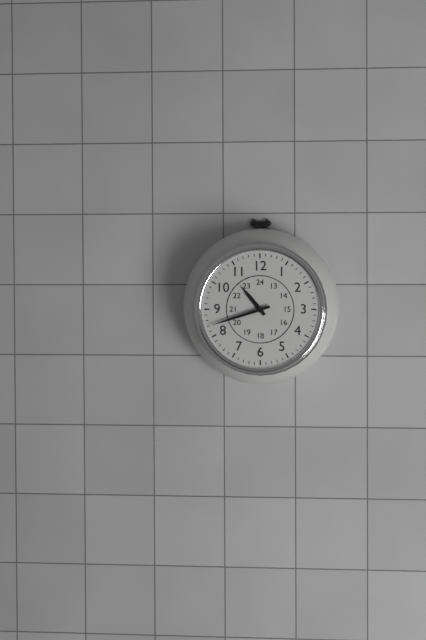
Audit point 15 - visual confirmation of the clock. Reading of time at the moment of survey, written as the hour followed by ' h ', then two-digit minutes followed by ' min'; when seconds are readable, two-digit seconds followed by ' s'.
10 h 42 min
